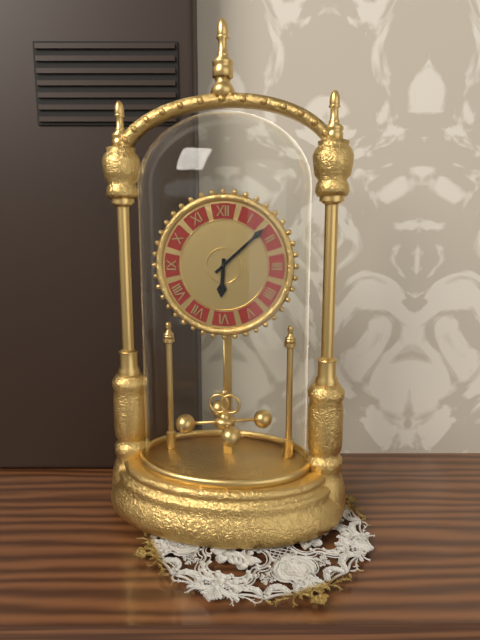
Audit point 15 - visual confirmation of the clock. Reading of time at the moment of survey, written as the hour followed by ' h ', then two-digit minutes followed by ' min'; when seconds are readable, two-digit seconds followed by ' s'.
6 h 08 min
